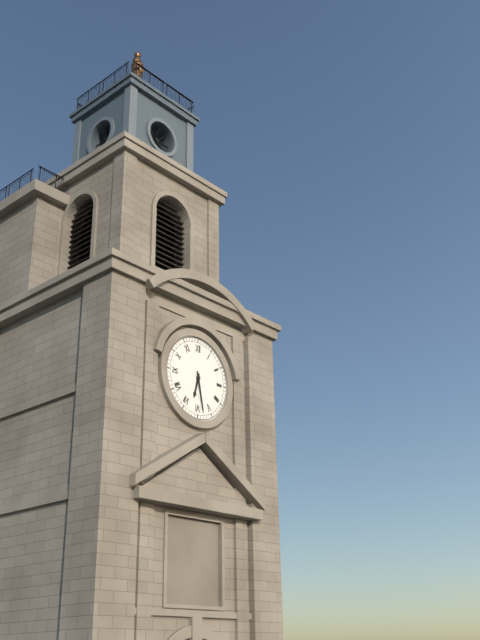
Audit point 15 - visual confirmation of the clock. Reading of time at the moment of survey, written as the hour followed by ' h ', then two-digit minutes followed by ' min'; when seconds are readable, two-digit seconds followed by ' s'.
6 h 28 min
